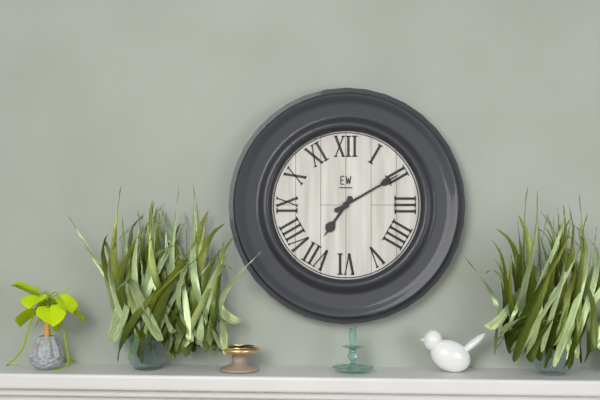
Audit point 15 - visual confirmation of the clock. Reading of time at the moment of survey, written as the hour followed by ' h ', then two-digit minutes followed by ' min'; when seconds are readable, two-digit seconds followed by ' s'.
7 h 10 min
